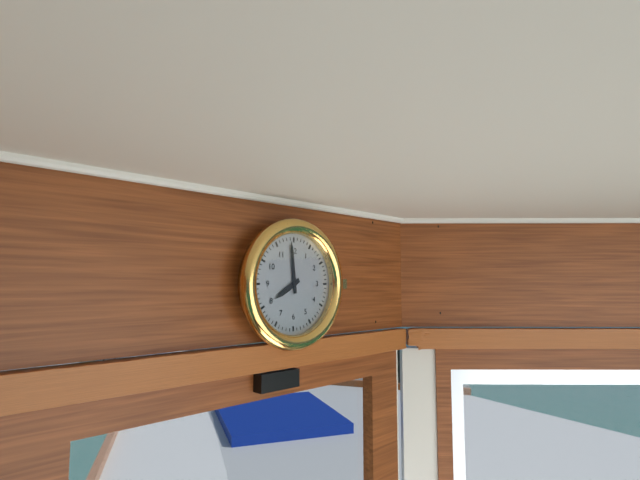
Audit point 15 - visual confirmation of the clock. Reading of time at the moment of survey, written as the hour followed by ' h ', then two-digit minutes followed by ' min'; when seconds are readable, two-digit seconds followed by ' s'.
7 h 59 min
